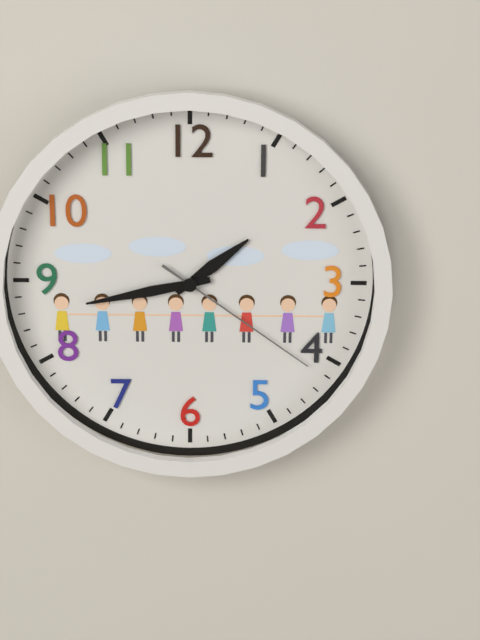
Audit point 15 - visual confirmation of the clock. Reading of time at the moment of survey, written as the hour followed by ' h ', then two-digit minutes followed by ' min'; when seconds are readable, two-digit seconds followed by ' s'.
1 h 43 min 21 s
